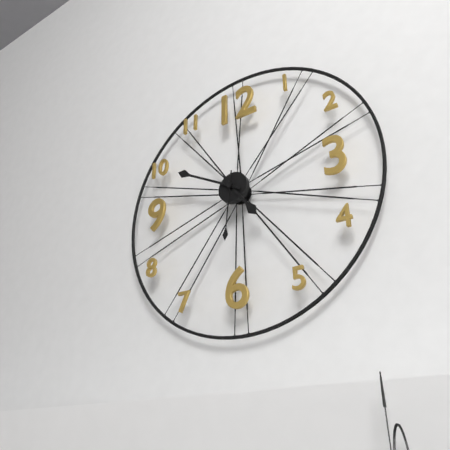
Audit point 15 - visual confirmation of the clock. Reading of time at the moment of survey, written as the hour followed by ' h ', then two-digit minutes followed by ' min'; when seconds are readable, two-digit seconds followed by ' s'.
4 h 50 min 31 s
